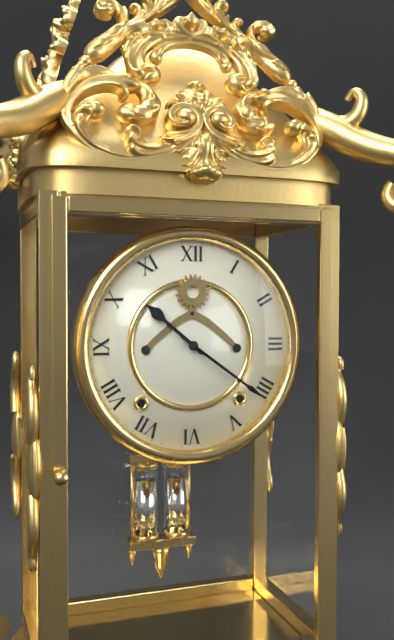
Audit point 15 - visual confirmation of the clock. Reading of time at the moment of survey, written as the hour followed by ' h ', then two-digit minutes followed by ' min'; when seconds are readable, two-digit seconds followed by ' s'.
10 h 21 min
